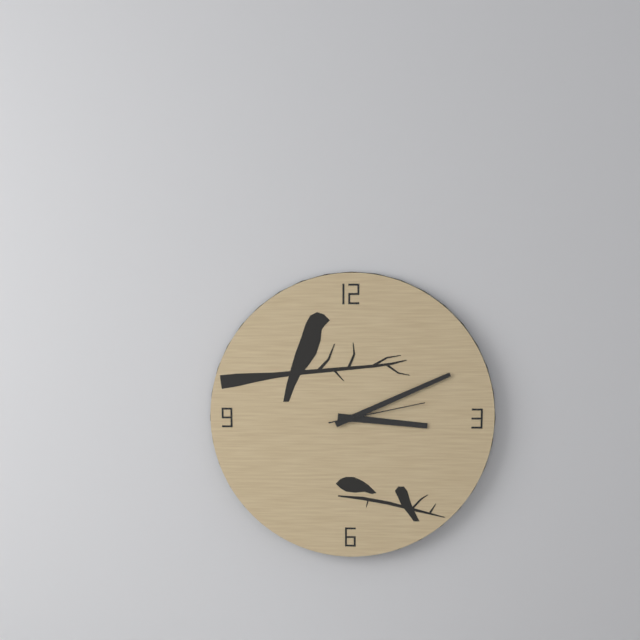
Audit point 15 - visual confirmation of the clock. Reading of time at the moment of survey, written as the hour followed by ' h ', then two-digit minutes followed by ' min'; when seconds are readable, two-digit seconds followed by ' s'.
3 h 11 min 13 s
